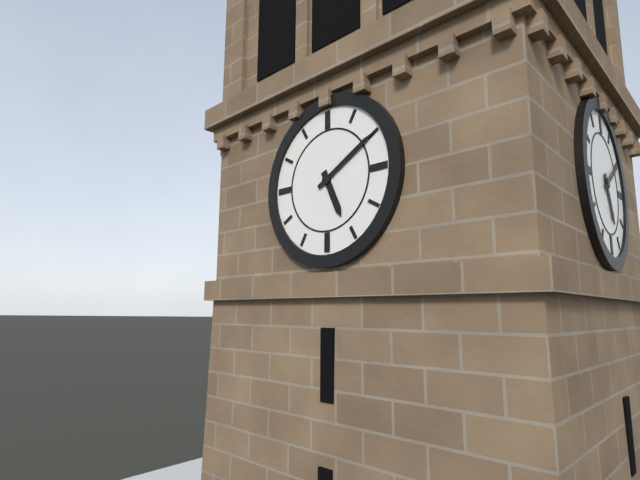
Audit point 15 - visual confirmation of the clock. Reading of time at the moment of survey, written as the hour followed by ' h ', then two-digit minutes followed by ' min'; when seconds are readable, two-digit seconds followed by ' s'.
5 h 10 min
